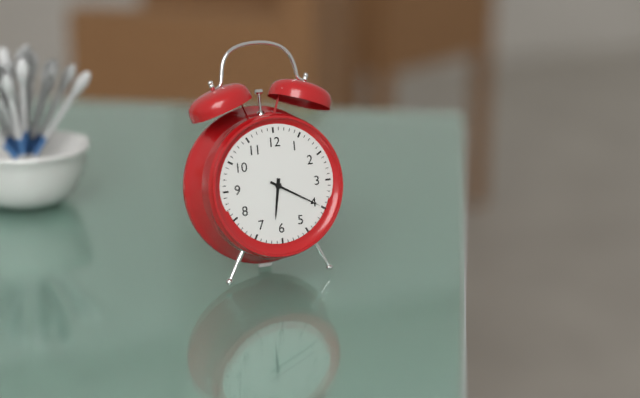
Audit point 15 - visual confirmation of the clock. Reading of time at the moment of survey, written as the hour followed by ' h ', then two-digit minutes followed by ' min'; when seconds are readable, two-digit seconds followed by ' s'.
6 h 20 min
